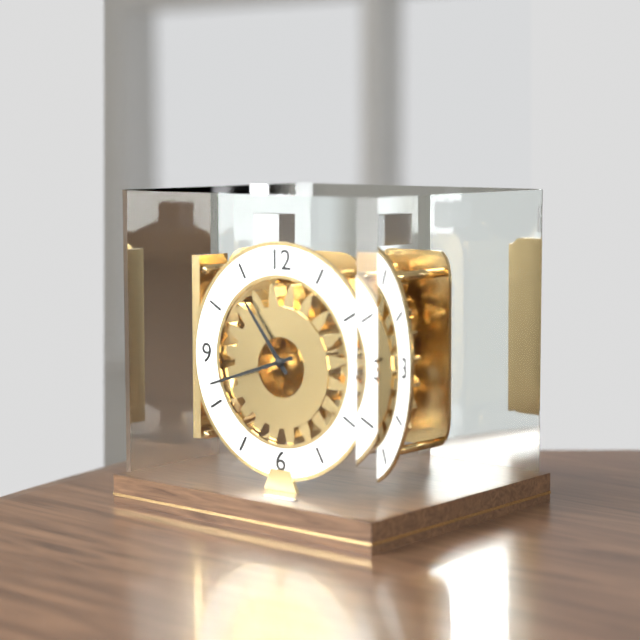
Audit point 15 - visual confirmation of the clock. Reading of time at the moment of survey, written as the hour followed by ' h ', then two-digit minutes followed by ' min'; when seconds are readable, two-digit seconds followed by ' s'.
10 h 42 min
